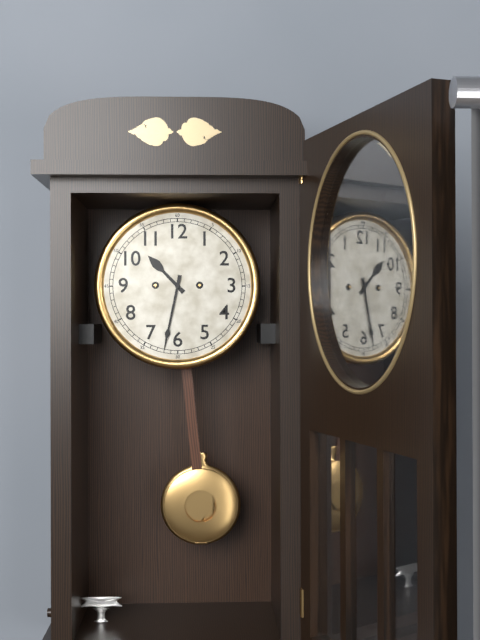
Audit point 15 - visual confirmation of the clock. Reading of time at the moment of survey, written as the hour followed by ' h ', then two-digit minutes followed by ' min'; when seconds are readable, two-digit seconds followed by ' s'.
10 h 32 min
